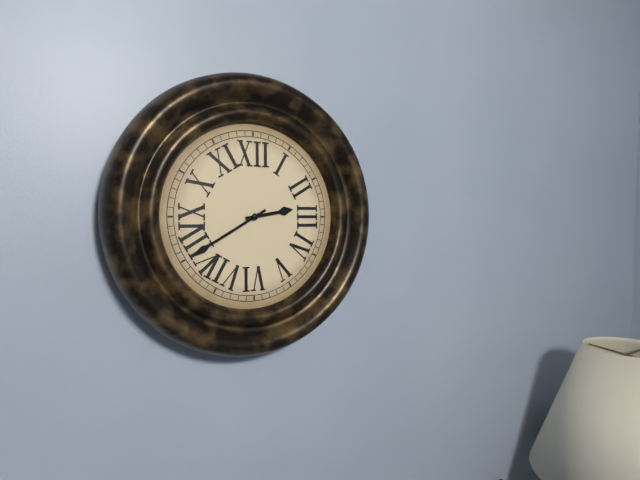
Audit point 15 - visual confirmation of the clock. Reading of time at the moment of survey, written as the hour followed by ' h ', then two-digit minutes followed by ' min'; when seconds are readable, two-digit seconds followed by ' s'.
2 h 40 min
